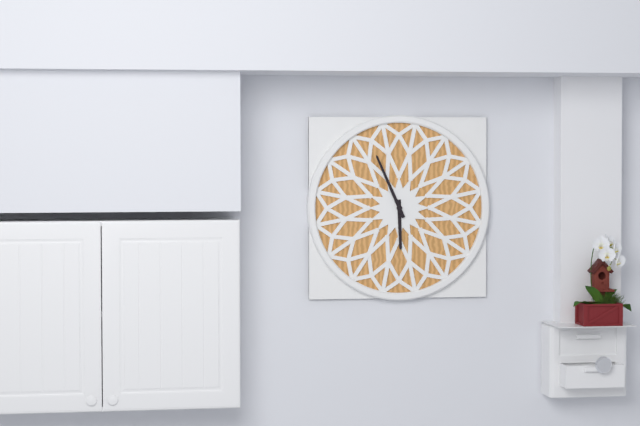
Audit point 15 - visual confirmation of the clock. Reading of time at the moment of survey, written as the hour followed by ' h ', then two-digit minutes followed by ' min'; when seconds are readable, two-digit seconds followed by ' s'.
5 h 56 min
